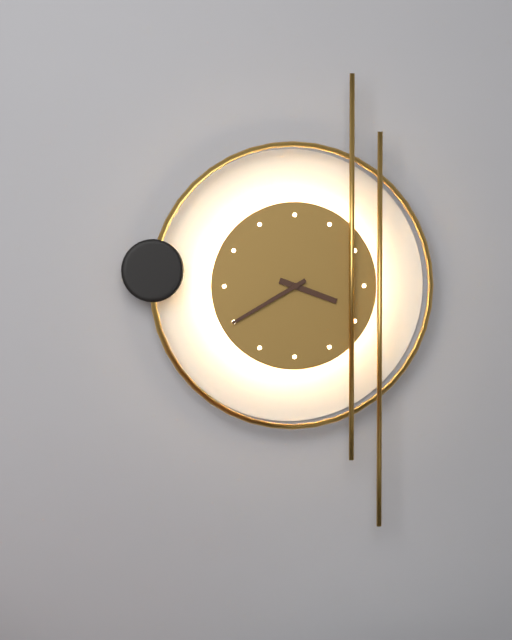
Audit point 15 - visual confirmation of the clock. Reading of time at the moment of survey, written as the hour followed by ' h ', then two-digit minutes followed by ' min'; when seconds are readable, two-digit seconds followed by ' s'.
3 h 40 min
